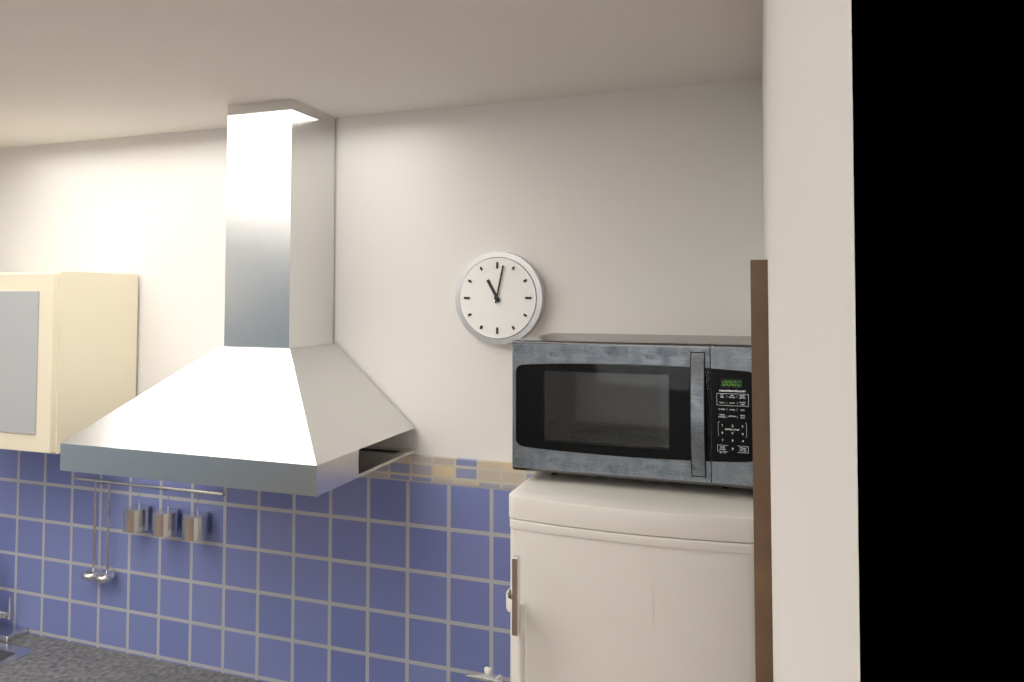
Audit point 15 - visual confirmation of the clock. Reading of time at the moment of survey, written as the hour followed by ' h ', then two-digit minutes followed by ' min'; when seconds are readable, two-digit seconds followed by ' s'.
11 h 02 min
